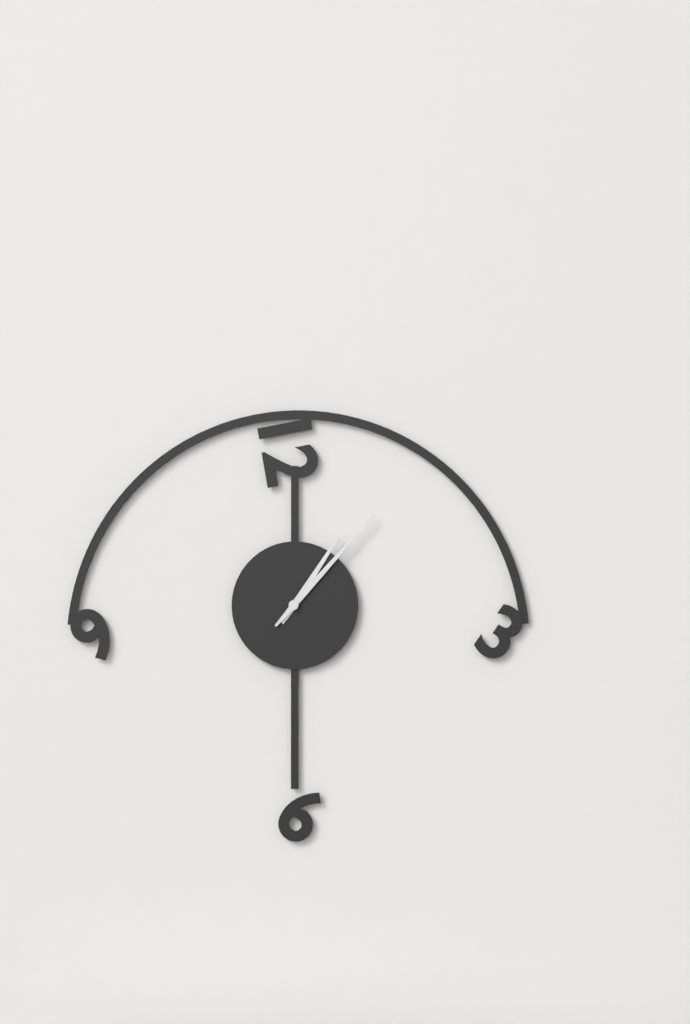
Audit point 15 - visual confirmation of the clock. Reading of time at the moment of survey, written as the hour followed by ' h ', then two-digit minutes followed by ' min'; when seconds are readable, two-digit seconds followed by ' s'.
1 h 07 min
